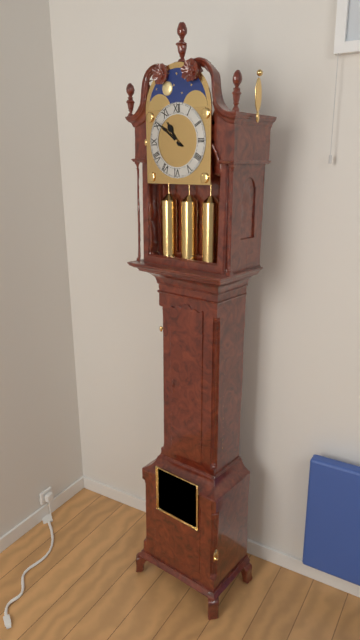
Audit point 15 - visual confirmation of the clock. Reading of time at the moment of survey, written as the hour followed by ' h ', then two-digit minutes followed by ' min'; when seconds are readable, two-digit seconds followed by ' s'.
10 h 51 min
